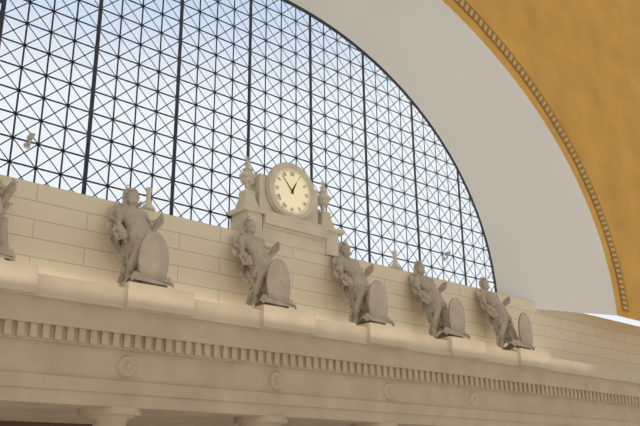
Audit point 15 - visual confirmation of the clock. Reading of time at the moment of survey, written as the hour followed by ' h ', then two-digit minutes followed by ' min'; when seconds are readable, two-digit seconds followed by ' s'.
12 h 53 min
